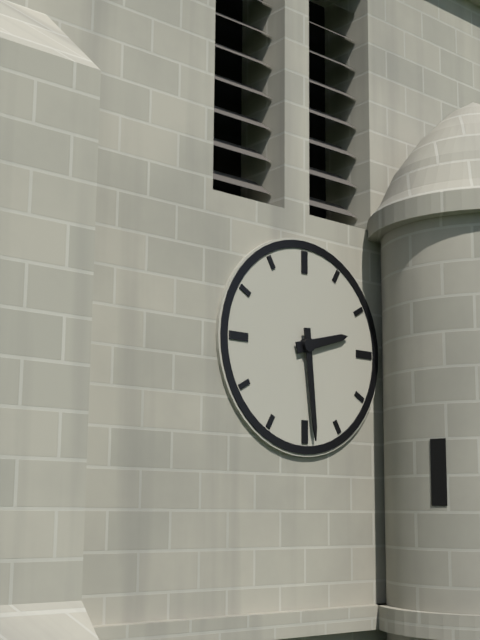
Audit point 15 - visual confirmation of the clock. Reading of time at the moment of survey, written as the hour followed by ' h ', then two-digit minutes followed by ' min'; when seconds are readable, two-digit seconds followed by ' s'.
2 h 29 min
